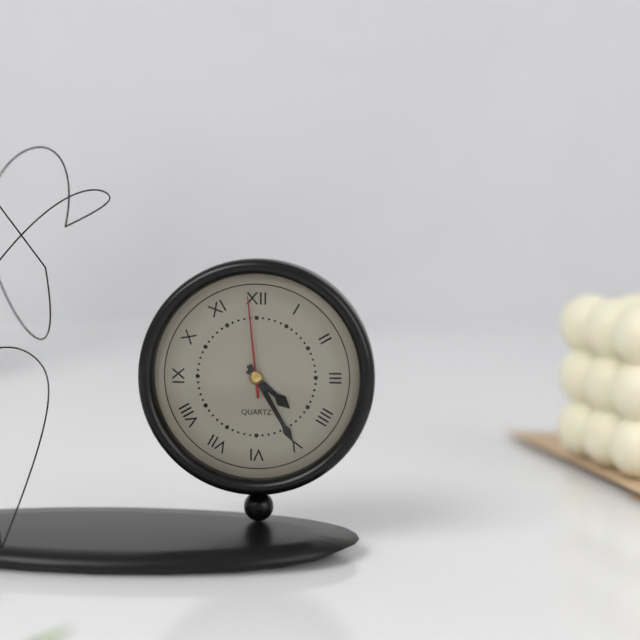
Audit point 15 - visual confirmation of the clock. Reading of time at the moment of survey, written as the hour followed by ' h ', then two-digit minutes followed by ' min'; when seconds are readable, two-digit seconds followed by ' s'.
4 h 25 min 59 s
